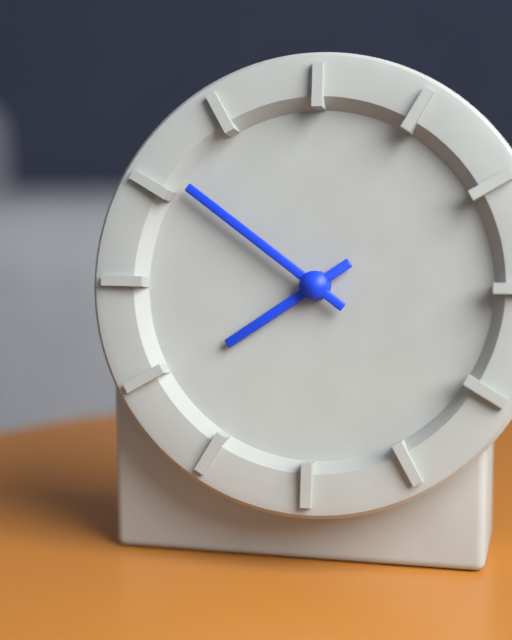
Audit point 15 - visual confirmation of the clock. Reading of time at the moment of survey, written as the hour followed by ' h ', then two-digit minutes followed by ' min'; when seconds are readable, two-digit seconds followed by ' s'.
7 h 51 min
